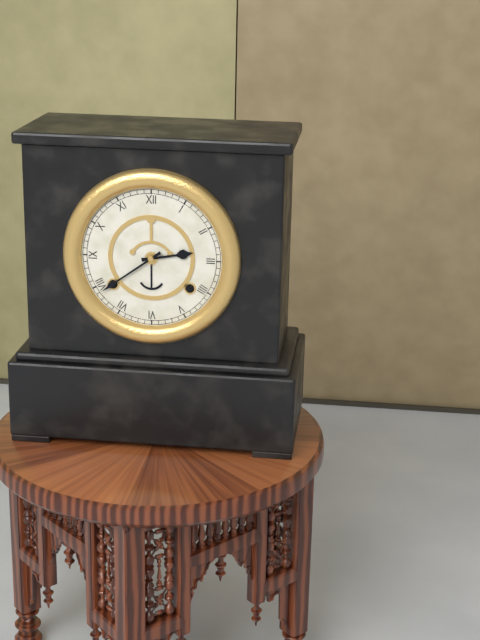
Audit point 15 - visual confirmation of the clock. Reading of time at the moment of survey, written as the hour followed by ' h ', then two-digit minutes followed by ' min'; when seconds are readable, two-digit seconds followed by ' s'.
2 h 39 min
